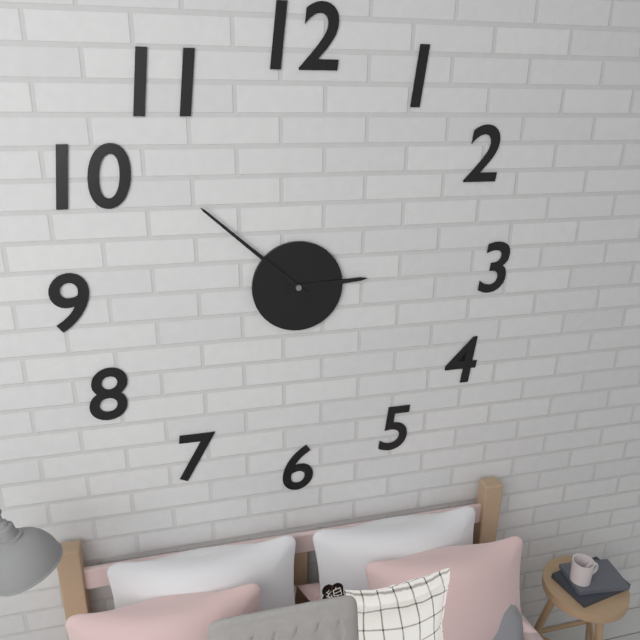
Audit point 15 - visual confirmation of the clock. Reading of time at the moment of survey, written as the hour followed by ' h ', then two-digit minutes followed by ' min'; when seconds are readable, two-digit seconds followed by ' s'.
2 h 52 min
